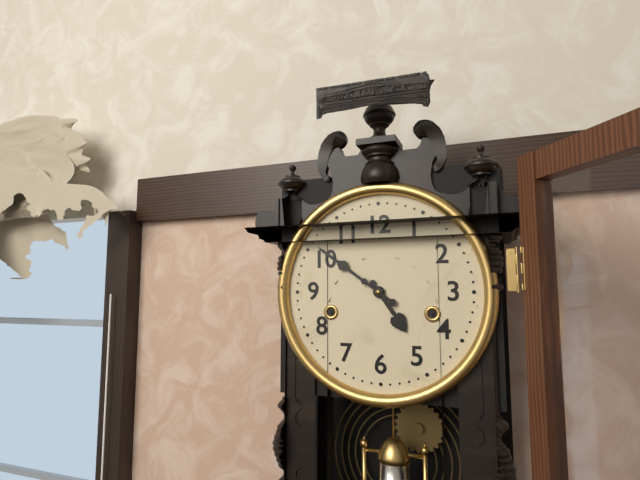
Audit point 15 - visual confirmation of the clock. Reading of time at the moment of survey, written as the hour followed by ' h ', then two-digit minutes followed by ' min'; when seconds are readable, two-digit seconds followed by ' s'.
4 h 51 min
